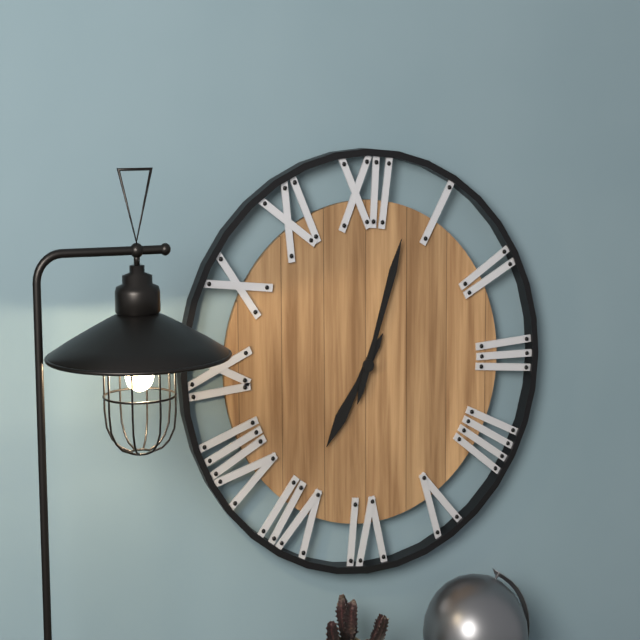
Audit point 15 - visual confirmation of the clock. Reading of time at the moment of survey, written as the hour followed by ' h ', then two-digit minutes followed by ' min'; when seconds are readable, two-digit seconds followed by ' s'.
7 h 03 min
